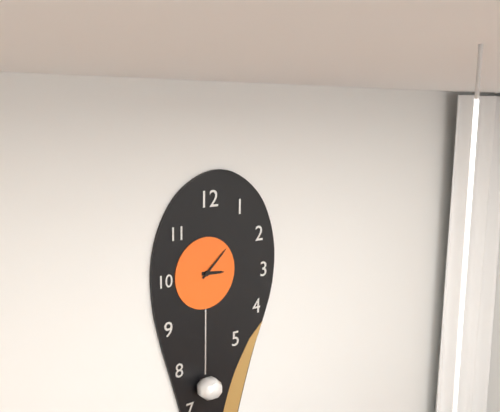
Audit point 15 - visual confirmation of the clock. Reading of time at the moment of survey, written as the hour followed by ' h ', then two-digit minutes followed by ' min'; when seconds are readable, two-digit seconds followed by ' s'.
3 h 08 min
